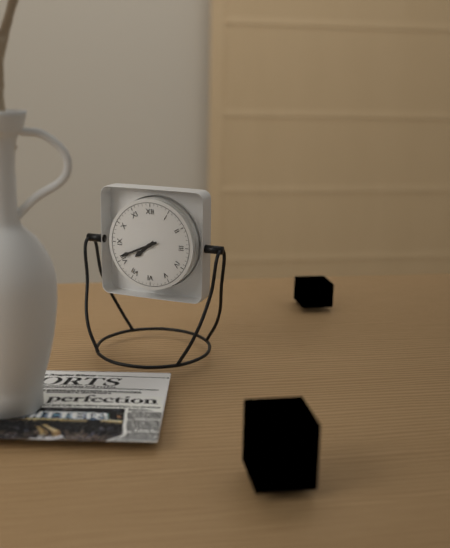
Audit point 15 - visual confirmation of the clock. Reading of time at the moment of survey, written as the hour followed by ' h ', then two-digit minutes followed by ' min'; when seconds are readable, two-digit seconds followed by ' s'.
7 h 41 min
